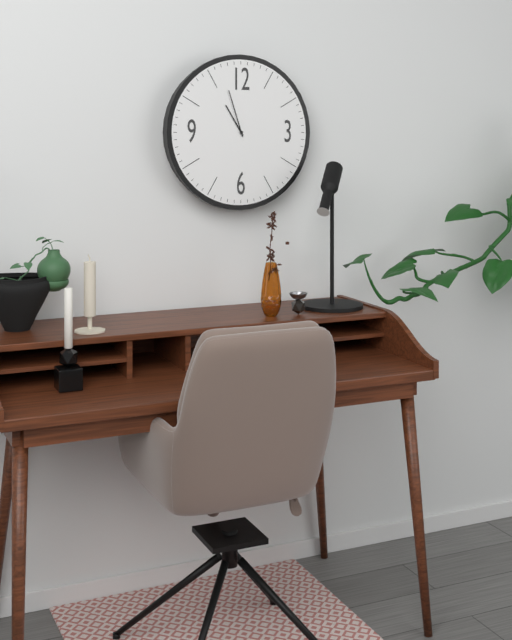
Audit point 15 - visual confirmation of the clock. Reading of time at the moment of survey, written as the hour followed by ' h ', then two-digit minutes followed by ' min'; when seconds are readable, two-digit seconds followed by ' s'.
10 h 57 min
